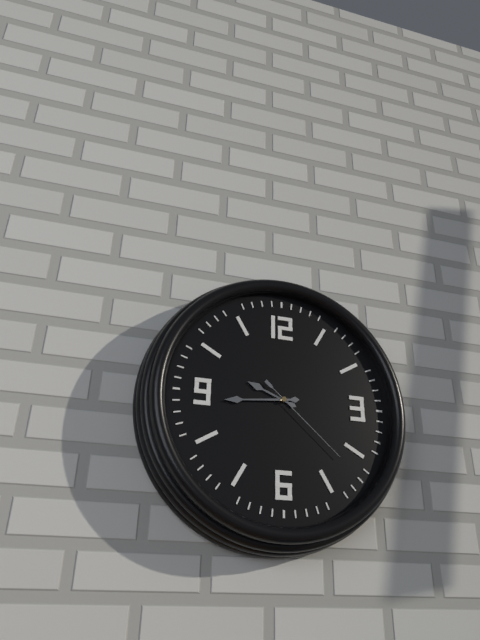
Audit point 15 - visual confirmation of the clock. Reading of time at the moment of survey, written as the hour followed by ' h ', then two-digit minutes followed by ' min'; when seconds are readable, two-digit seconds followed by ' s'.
9 h 44 min 22 s
